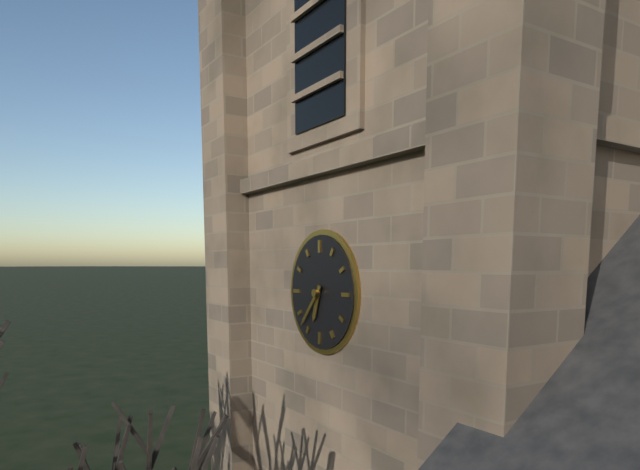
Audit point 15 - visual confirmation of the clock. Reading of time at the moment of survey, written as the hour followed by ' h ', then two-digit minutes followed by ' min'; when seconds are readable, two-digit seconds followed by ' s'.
6 h 37 min
